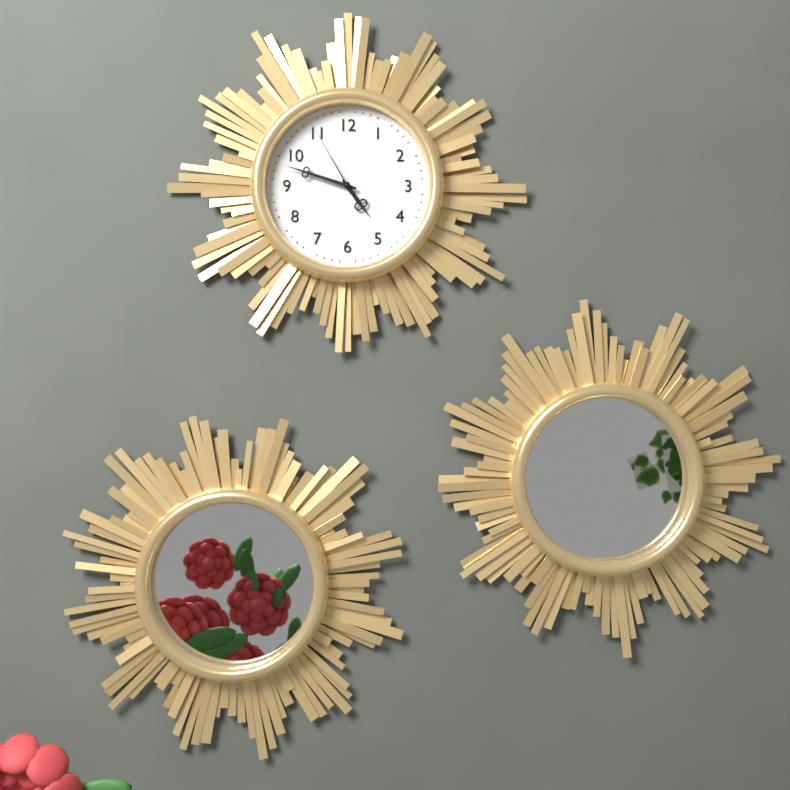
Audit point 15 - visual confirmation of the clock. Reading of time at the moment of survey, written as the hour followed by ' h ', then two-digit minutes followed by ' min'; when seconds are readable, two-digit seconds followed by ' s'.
4 h 48 min 55 s
